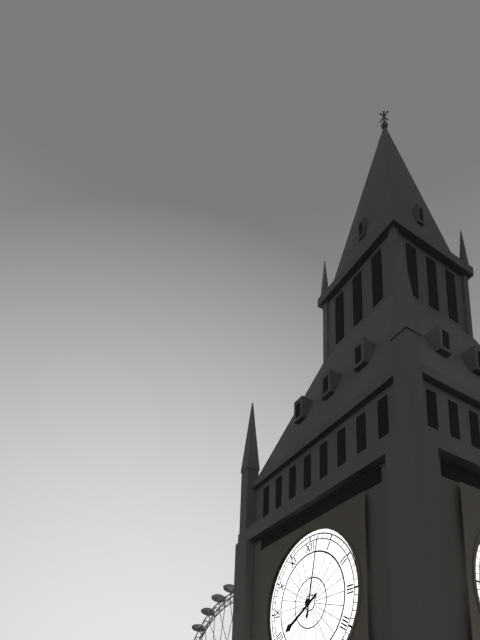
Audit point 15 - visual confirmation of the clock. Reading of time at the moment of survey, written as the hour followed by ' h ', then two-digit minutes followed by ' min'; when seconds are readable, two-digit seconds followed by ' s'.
8 h 02 min
